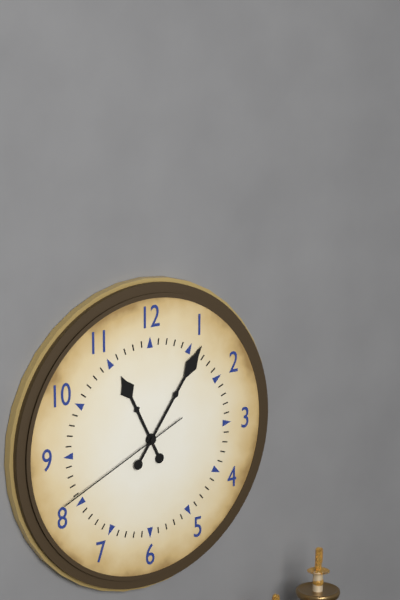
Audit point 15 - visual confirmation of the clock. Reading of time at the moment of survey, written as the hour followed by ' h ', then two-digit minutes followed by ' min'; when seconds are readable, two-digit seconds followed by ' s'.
11 h 06 min 41 s
